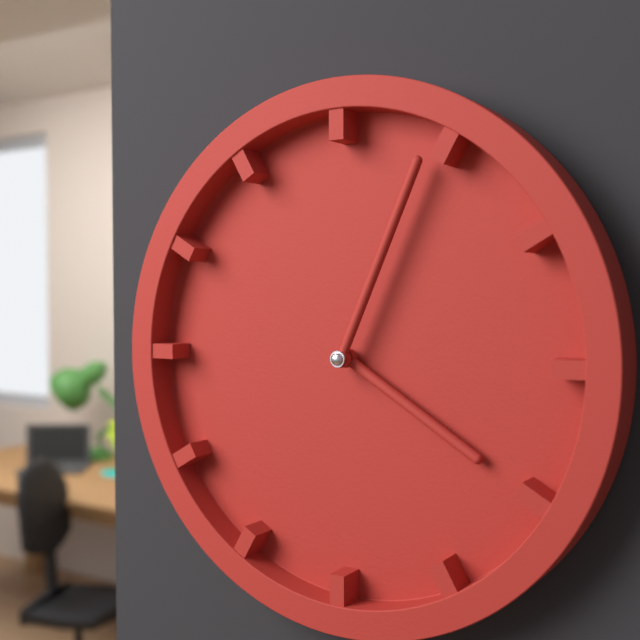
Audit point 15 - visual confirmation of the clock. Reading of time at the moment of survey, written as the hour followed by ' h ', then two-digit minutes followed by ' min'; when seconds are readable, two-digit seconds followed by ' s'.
4 h 04 min
